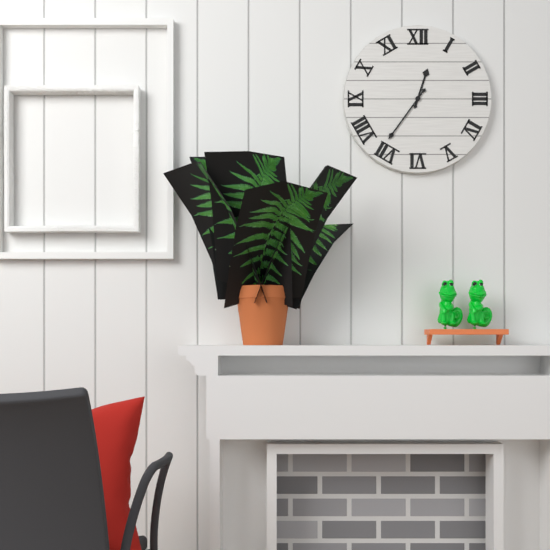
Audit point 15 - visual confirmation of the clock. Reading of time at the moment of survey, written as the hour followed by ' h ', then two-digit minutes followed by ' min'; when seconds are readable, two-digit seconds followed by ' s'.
12 h 36 min
